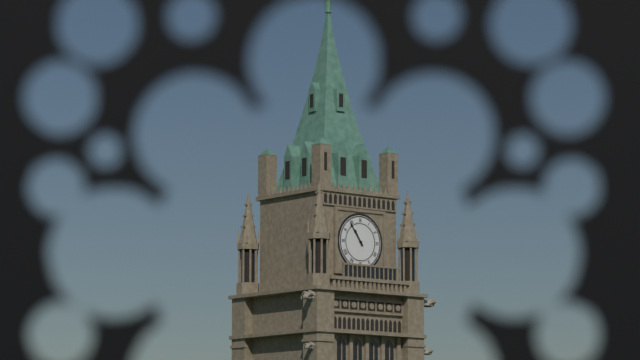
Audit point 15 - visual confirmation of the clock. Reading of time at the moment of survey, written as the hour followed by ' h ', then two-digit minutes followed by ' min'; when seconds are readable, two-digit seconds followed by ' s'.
10 h 54 min
